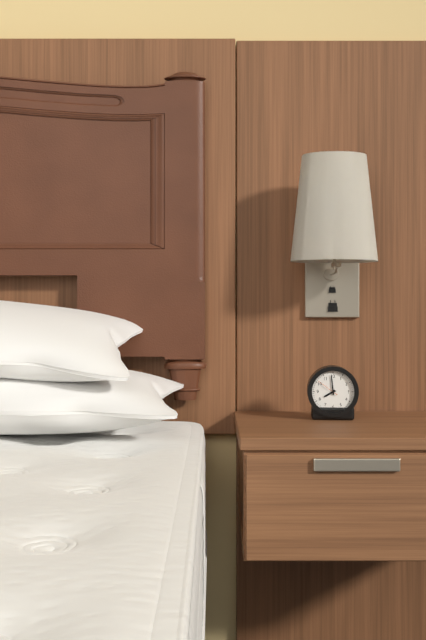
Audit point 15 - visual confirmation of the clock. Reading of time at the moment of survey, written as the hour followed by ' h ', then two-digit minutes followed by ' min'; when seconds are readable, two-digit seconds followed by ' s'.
7 h 59 min
